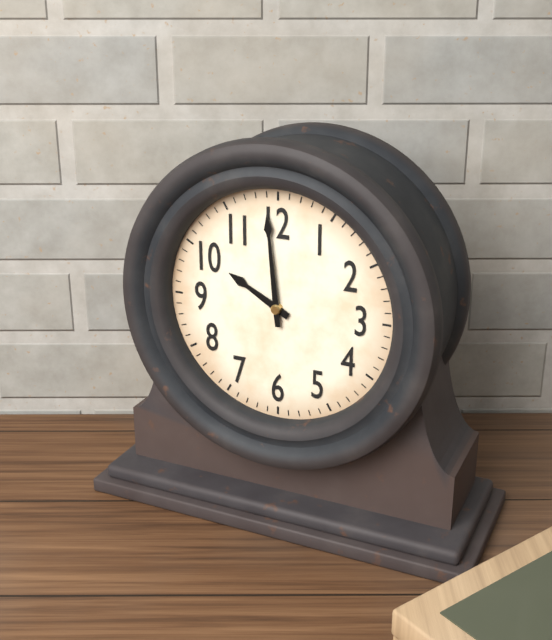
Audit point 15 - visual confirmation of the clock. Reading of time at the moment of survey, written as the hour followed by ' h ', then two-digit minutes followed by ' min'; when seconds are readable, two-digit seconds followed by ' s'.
9 h 59 min
